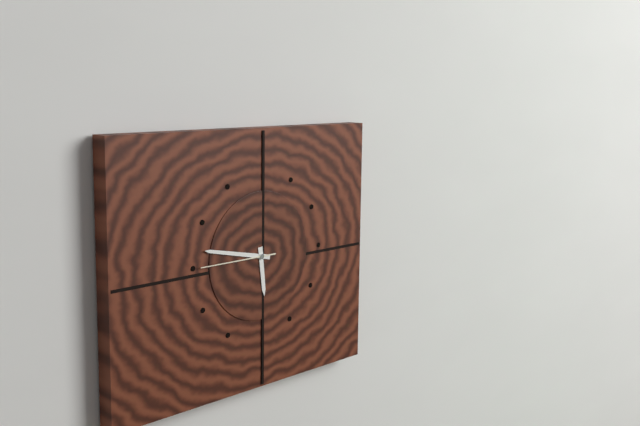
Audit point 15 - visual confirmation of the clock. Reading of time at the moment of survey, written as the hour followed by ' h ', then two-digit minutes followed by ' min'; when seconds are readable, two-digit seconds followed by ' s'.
5 h 47 min 45 s
